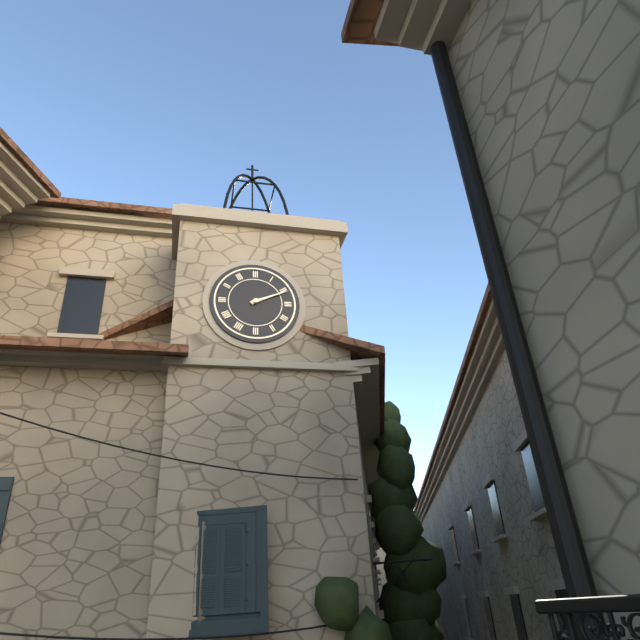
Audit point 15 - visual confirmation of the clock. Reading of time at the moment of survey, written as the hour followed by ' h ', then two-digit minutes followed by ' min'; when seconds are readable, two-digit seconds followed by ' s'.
2 h 11 min
